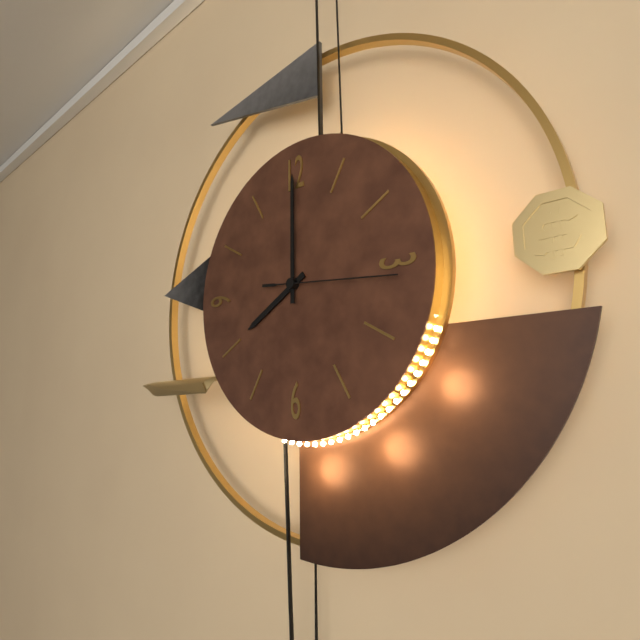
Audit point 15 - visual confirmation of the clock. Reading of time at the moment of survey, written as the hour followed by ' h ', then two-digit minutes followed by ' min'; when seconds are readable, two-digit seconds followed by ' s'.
8 h 00 min 16 s
